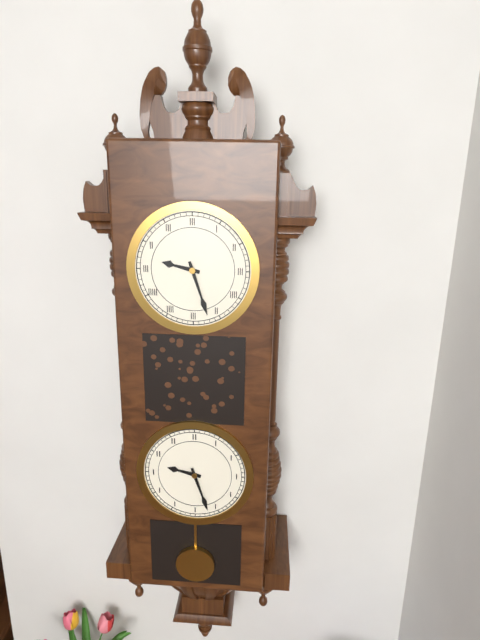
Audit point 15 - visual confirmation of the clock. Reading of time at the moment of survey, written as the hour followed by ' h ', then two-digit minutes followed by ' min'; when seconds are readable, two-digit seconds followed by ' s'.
9 h 27 min
